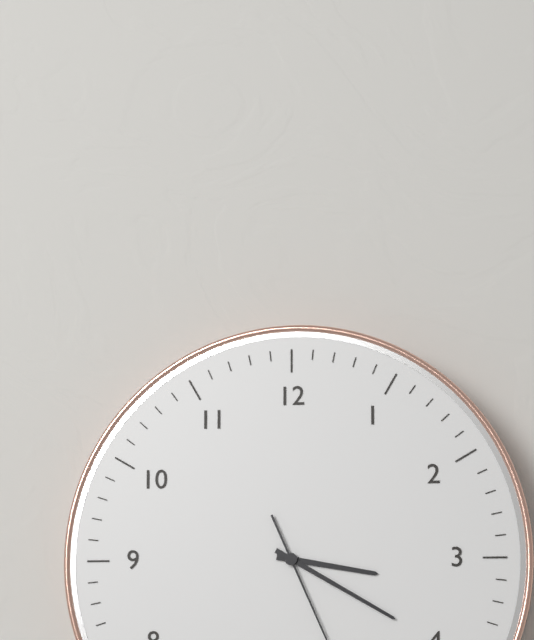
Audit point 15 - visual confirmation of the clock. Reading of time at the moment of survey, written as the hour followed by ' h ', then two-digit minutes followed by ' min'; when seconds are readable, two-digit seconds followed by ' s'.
3 h 20 min
